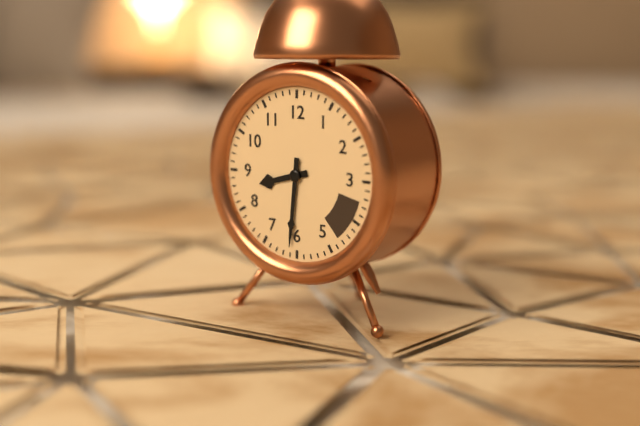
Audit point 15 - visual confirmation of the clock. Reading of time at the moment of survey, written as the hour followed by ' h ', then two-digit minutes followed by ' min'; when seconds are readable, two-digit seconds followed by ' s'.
8 h 31 min
